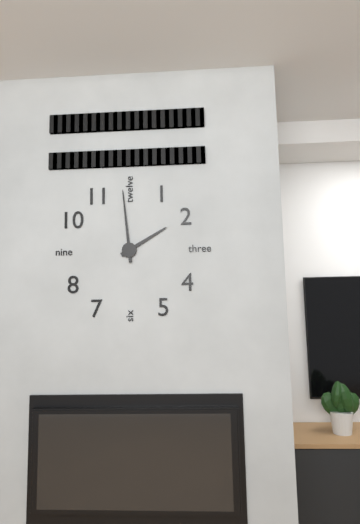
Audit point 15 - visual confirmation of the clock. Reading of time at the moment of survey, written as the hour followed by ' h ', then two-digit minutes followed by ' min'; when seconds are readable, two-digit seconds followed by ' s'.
1 h 59 min
